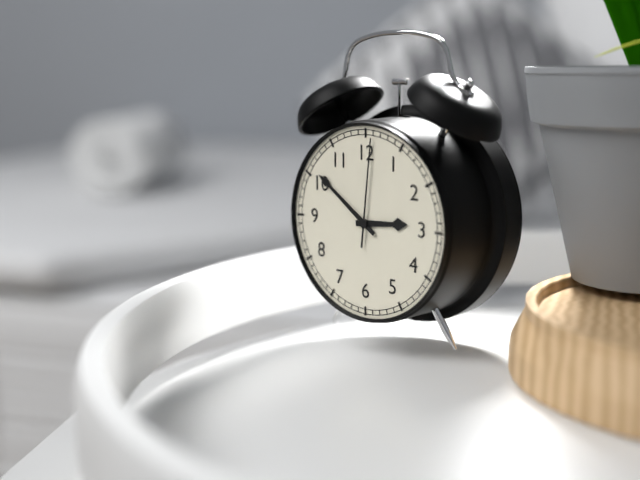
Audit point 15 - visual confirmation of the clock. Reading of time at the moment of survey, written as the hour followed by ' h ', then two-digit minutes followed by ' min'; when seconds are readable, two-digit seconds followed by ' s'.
2 h 51 min 01 s
